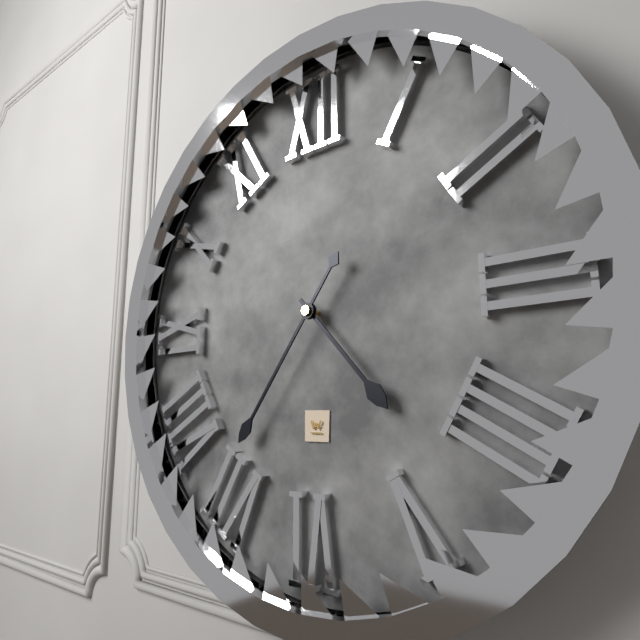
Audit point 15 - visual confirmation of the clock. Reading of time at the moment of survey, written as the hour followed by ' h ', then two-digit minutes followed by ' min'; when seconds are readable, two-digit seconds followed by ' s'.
4 h 36 min
